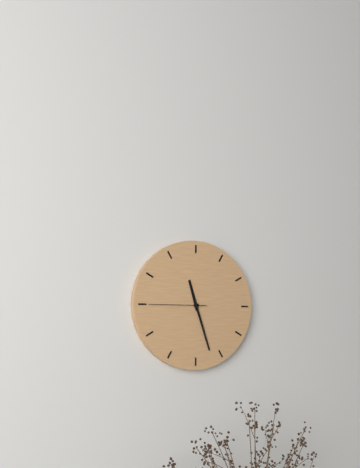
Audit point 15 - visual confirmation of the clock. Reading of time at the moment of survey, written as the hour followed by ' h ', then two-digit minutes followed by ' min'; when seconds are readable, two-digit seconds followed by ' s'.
11 h 27 min 45 s
